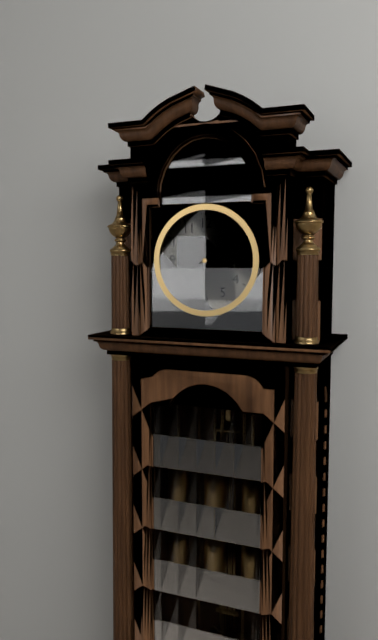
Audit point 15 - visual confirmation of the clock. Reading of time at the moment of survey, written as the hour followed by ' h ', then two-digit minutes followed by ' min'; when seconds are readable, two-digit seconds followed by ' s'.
3 h 11 min
